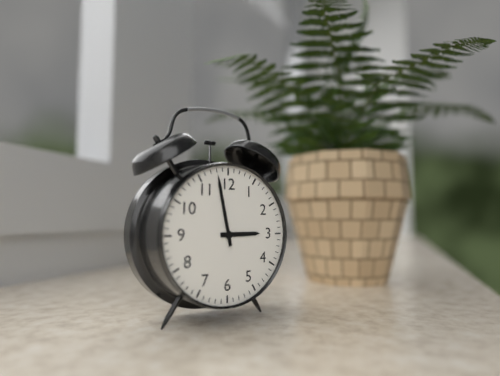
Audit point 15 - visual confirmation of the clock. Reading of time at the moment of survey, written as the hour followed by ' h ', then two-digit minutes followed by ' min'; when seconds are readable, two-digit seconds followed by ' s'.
2 h 58 min
